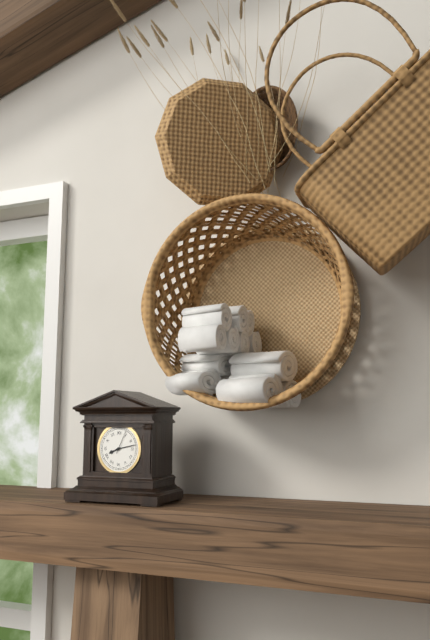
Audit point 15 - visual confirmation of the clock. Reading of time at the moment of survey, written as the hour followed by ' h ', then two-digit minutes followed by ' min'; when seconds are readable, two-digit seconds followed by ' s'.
8 h 13 min
